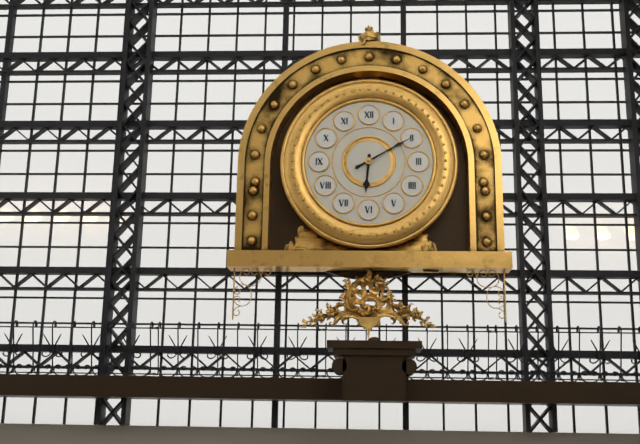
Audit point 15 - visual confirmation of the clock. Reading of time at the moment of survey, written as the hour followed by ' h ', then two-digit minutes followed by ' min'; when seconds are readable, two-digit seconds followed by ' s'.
6 h 10 min
